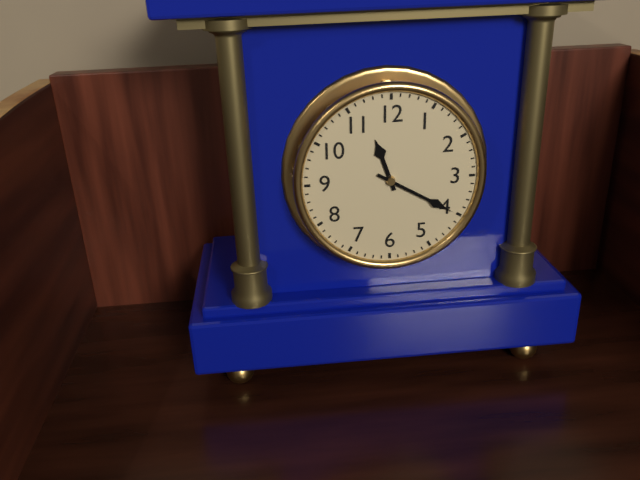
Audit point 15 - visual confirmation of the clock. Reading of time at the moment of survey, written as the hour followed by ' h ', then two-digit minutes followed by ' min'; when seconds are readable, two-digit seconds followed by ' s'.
11 h 20 min
